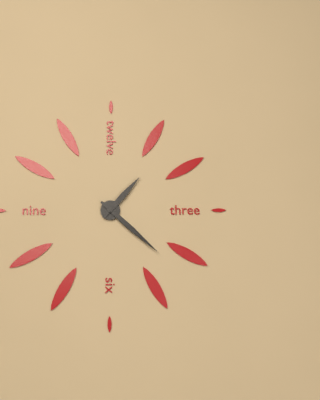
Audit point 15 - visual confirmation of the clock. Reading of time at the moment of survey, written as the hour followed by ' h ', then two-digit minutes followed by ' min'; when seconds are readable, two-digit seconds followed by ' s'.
1 h 22 min
